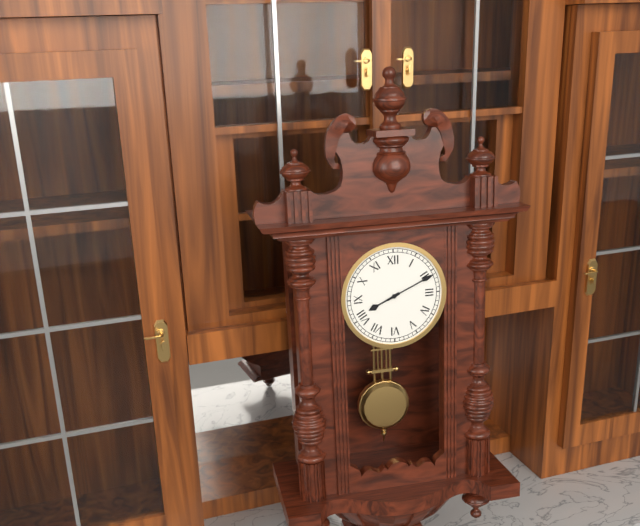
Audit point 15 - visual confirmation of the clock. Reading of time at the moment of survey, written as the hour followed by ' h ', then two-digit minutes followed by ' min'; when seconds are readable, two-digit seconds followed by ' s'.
8 h 11 min
